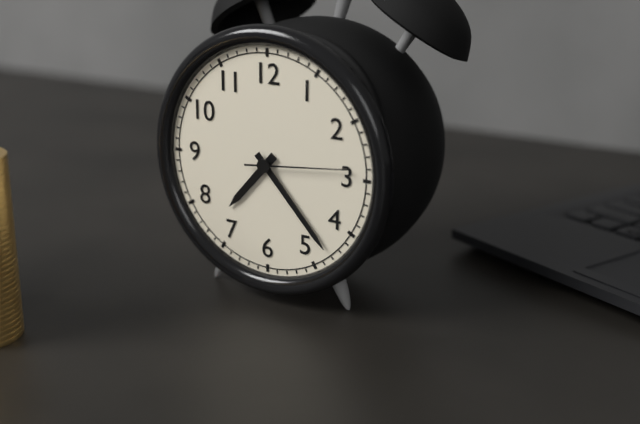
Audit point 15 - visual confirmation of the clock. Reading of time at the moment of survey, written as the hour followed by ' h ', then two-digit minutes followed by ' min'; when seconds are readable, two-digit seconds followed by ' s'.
7 h 23 min 14 s
